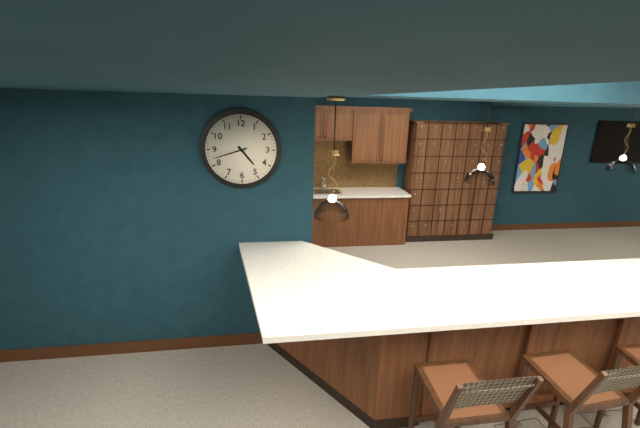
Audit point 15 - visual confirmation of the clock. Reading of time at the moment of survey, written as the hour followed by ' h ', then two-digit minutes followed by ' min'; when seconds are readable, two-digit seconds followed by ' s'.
4 h 42 min
